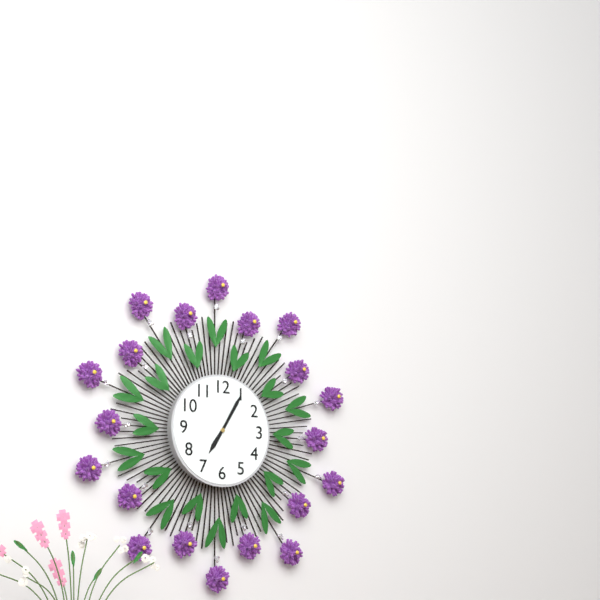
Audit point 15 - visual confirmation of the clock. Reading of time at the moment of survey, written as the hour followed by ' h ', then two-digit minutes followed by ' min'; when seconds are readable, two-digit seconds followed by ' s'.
7 h 05 min
